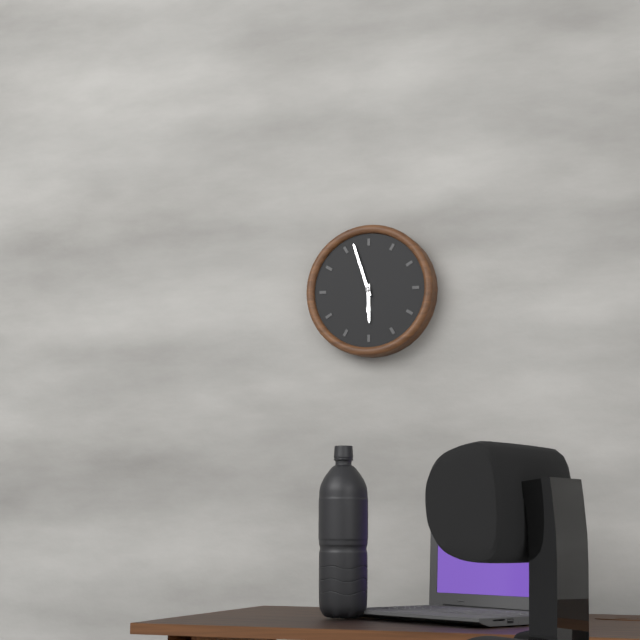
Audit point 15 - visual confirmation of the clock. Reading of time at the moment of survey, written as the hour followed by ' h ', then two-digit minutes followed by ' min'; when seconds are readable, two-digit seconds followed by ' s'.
5 h 57 min
